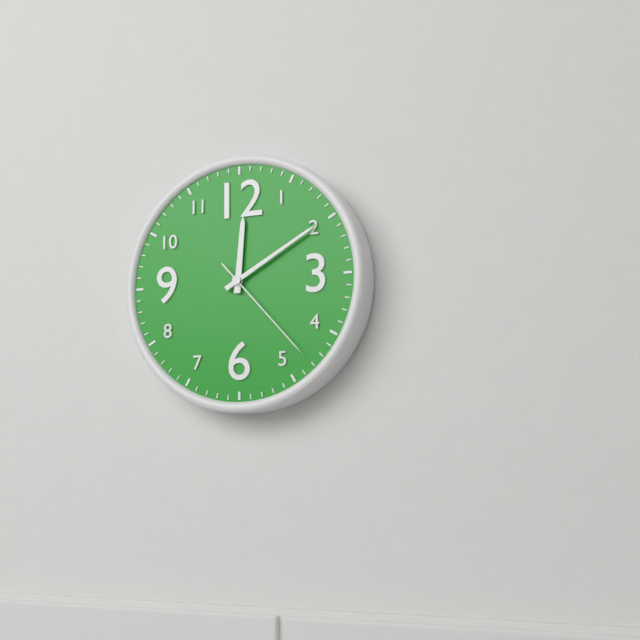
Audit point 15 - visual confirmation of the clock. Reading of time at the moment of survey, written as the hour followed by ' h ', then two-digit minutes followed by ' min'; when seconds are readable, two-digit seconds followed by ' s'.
12 h 10 min 23 s
